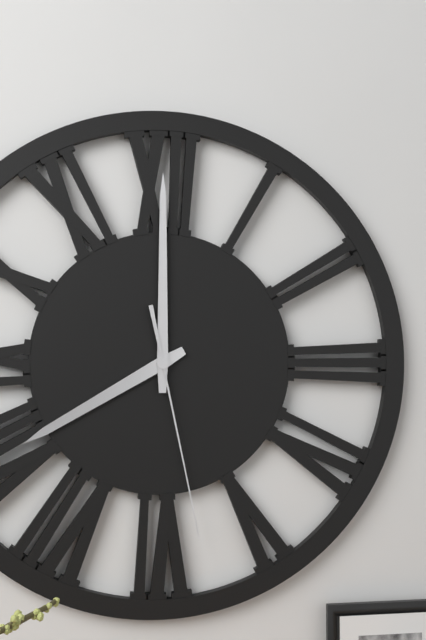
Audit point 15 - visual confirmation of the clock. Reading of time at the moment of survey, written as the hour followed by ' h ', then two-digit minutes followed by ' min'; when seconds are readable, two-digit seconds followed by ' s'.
8 h 00 min 28 s
